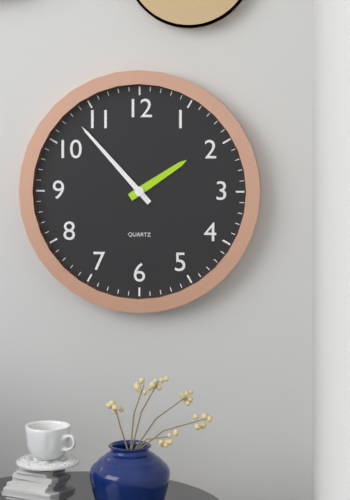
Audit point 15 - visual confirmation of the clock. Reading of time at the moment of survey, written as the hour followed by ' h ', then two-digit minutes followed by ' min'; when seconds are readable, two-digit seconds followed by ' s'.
1 h 53 min
